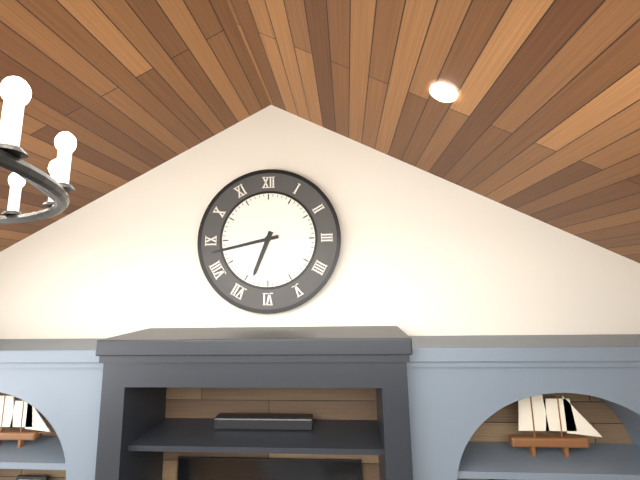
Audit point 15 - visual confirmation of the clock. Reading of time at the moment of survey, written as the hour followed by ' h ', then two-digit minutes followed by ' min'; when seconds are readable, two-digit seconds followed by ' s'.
6 h 43 min
